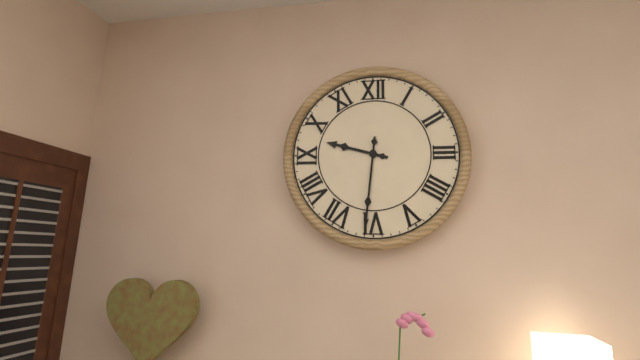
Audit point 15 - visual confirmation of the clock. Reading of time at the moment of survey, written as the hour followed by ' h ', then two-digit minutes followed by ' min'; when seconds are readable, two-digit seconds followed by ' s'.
9 h 31 min
